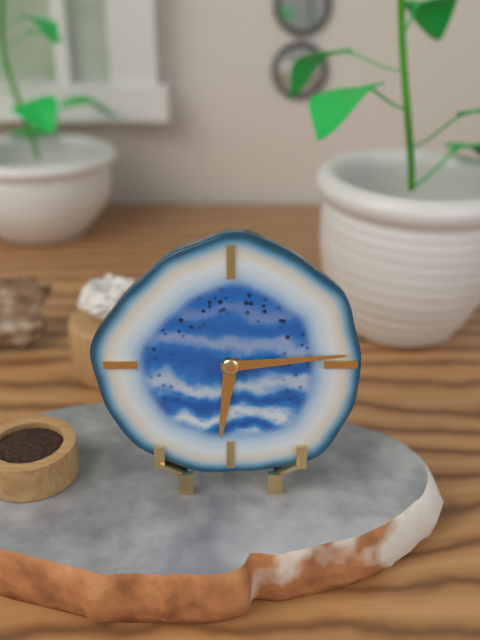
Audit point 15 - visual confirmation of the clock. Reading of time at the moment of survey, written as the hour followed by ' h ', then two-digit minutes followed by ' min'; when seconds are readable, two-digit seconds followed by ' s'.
6 h 14 min
